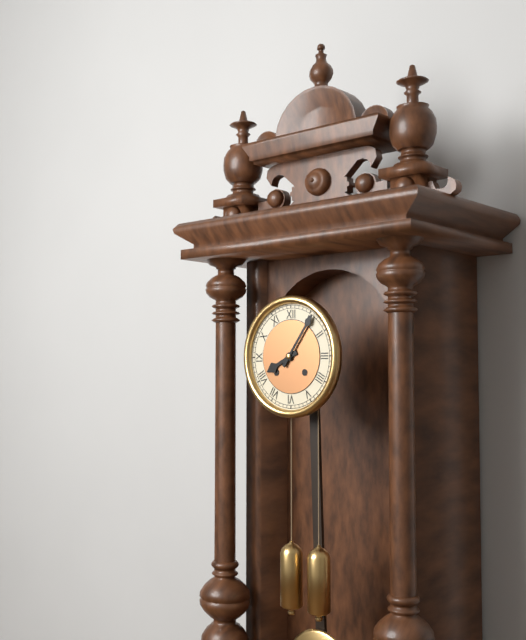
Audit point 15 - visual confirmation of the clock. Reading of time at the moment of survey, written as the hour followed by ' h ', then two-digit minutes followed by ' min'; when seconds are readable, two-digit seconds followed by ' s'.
8 h 06 min
